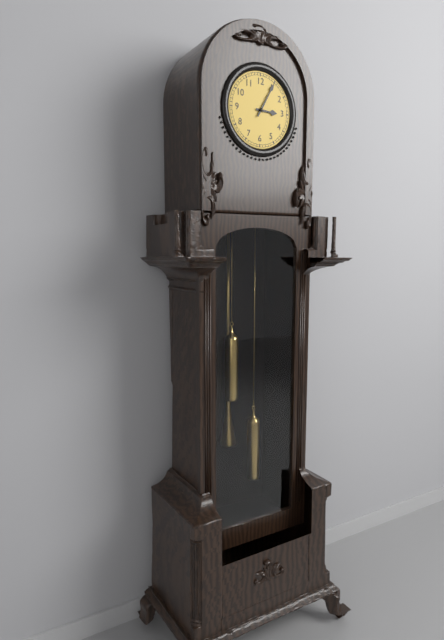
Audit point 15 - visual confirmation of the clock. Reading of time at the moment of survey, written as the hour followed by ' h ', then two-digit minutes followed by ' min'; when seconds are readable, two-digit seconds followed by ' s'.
3 h 05 min
